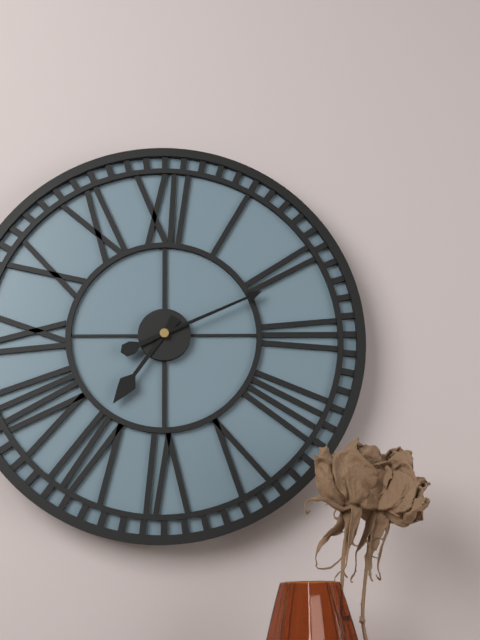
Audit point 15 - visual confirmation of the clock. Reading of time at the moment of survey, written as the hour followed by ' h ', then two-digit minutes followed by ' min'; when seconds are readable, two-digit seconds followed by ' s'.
7 h 11 min
